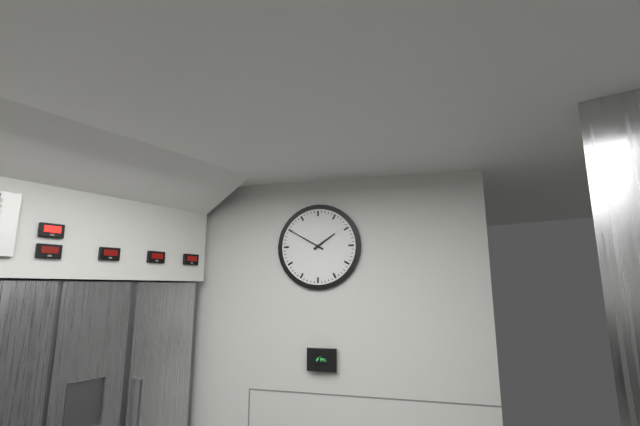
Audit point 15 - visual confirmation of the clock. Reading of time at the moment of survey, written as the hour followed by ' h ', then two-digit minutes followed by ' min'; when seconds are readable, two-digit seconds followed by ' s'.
1 h 50 min
